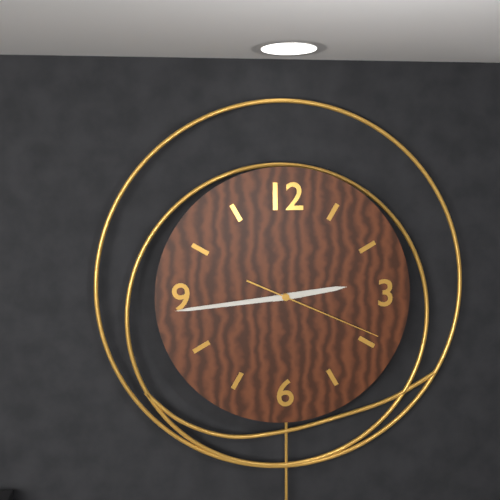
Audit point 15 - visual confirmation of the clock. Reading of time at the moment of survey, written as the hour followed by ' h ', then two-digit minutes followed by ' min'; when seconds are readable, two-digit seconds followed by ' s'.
2 h 44 min 19 s
